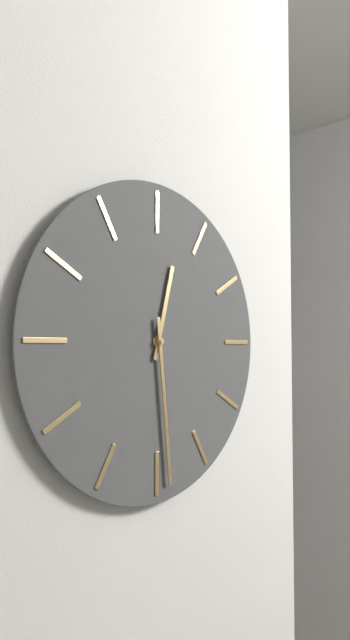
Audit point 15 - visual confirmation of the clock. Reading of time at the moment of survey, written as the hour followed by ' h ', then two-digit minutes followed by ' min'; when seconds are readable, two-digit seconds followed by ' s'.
12 h 29 min
